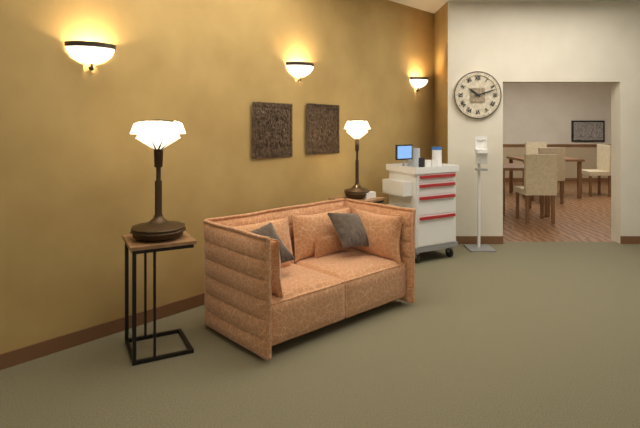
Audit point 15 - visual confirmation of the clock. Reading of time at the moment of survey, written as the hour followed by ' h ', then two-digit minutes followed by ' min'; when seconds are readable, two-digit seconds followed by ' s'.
10 h 12 min
